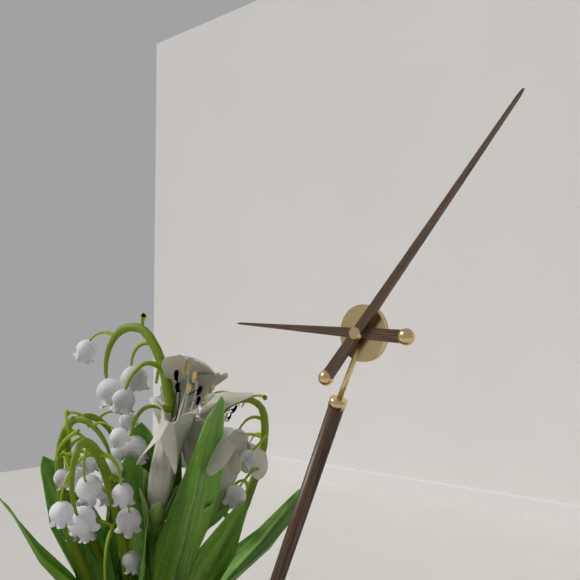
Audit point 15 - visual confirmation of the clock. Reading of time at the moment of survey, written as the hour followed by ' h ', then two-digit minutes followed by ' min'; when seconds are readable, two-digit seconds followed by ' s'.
9 h 07 min
